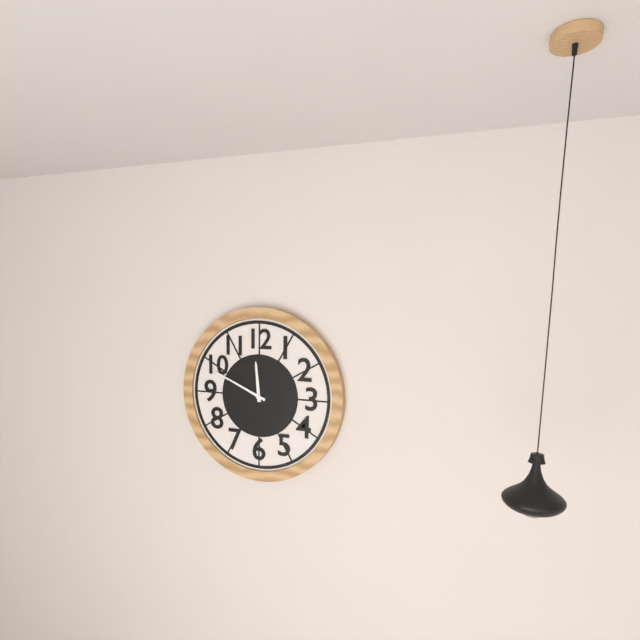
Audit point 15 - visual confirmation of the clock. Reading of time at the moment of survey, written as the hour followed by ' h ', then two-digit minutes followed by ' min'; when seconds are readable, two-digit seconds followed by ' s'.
11 h 49 min
